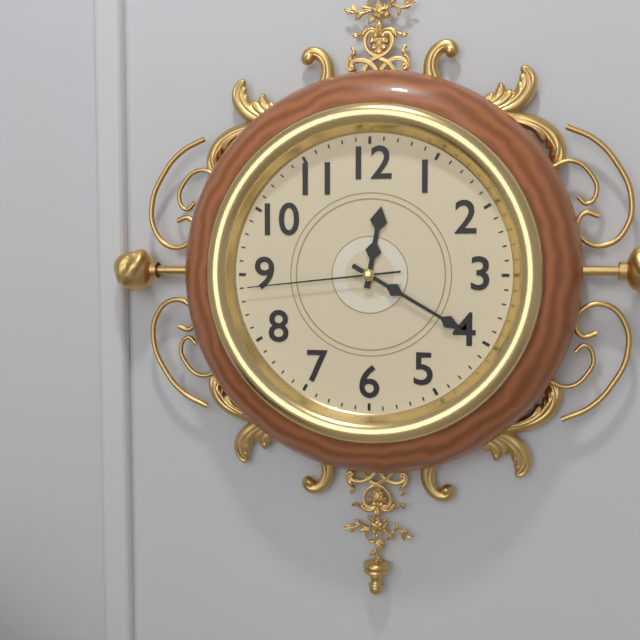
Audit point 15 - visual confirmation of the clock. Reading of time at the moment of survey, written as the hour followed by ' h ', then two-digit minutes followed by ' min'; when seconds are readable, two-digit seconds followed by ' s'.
12 h 20 min 44 s
